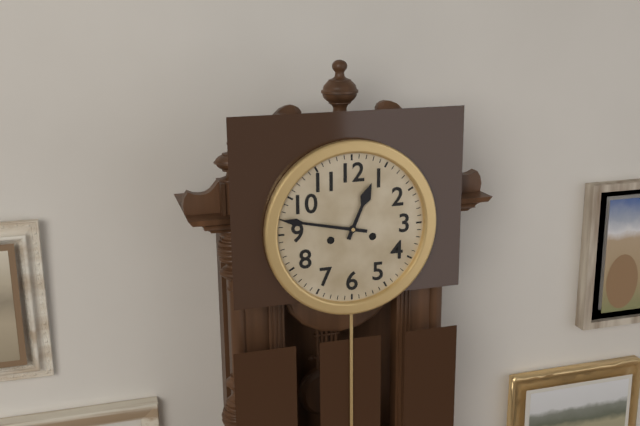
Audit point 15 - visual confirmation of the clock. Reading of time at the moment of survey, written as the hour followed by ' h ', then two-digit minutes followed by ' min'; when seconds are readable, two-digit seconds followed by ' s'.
12 h 47 min
